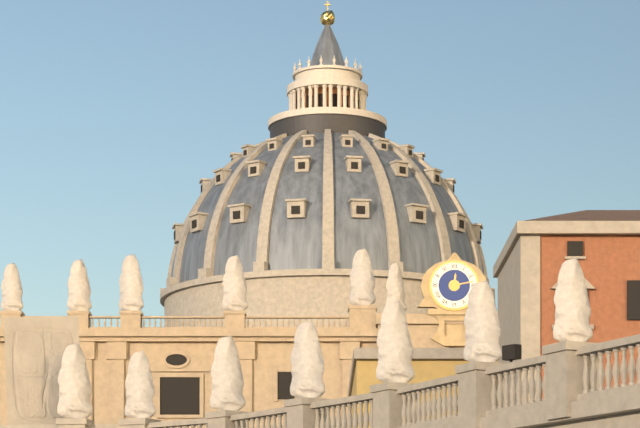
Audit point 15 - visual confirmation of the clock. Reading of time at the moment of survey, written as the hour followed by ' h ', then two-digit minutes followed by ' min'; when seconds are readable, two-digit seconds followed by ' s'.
12 h 13 min
